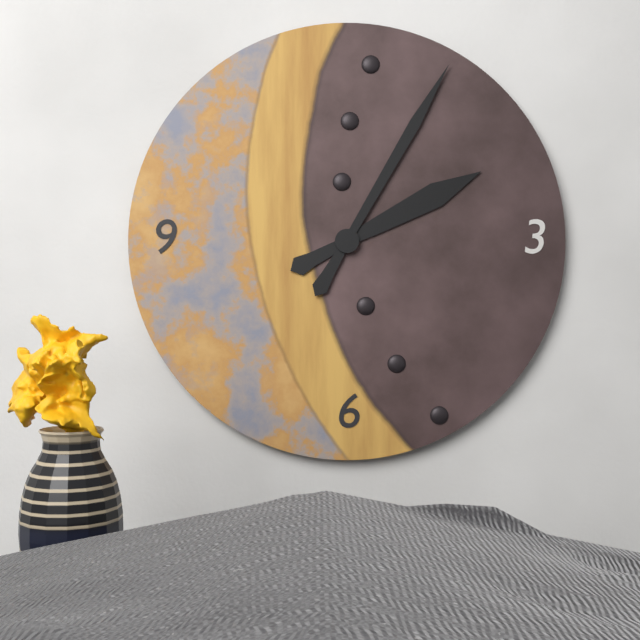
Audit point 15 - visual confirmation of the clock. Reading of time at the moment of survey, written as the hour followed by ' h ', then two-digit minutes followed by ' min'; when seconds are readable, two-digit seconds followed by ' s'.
2 h 05 min
